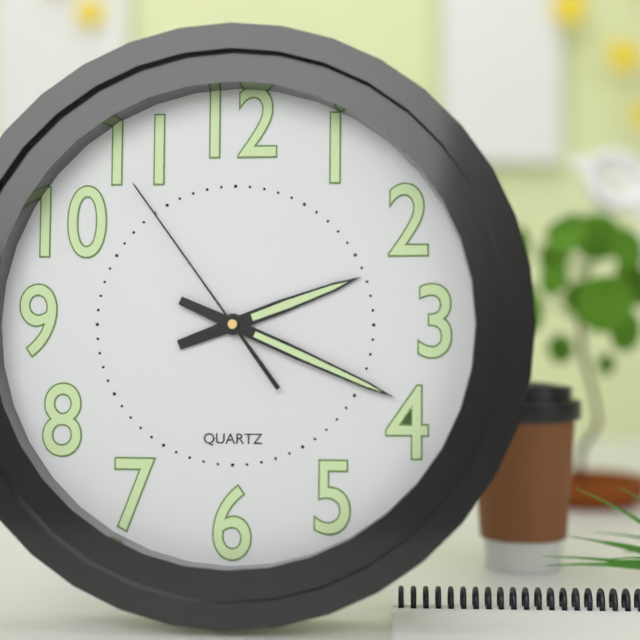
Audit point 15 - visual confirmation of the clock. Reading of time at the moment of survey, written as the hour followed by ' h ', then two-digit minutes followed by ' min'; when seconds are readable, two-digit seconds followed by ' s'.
2 h 19 min 54 s
